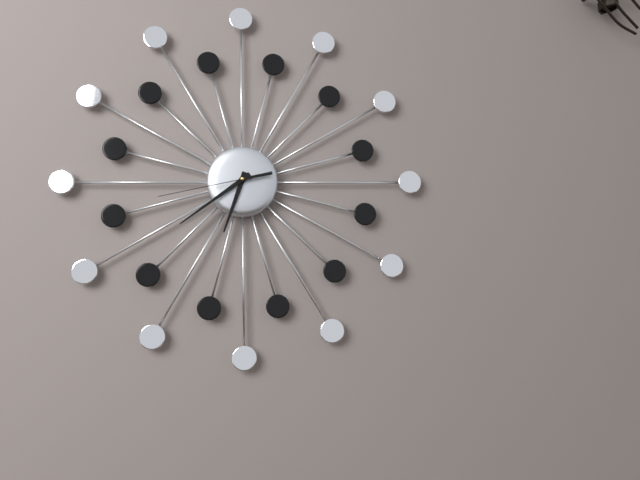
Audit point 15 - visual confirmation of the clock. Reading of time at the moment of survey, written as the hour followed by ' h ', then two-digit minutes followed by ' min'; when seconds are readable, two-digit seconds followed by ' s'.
6 h 39 min 43 s
